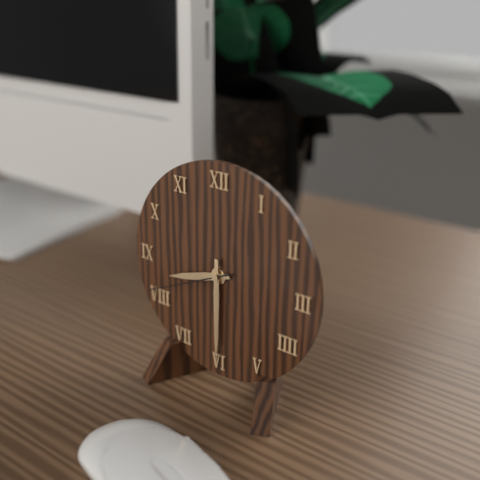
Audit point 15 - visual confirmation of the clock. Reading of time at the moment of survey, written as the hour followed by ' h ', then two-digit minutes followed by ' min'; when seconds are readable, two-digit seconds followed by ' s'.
8 h 30 min 41 s
